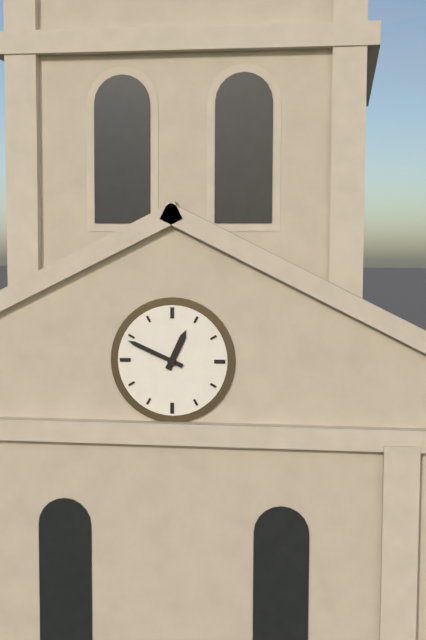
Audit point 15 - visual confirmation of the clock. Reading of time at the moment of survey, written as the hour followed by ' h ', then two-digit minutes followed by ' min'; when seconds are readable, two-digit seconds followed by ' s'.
12 h 49 min
